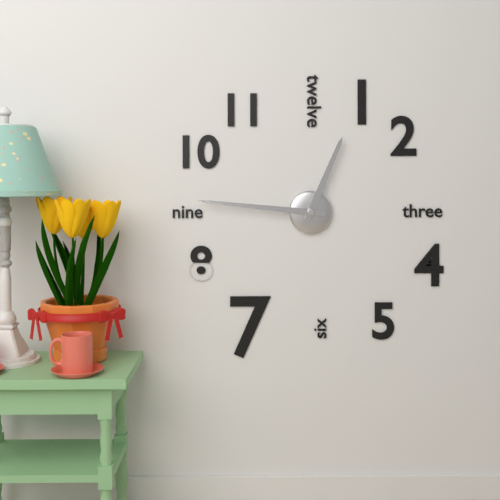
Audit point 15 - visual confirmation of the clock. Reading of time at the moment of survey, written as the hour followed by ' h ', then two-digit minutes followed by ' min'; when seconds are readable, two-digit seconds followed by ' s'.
12 h 46 min
